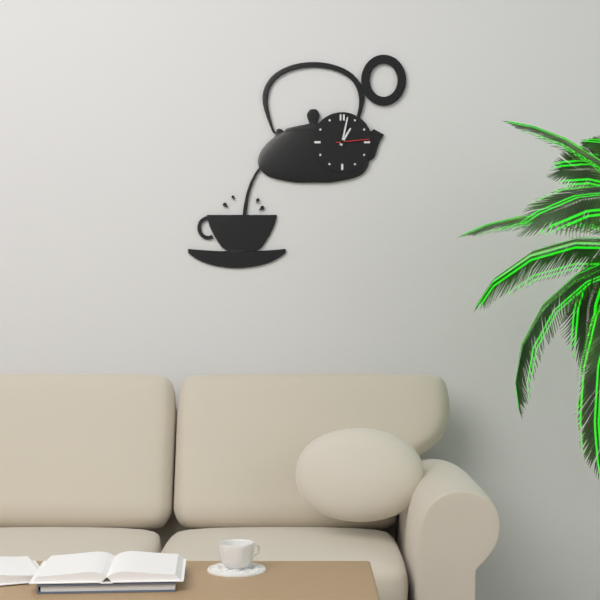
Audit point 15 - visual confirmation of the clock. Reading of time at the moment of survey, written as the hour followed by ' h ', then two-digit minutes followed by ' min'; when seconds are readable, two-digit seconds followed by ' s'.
1 h 02 min
